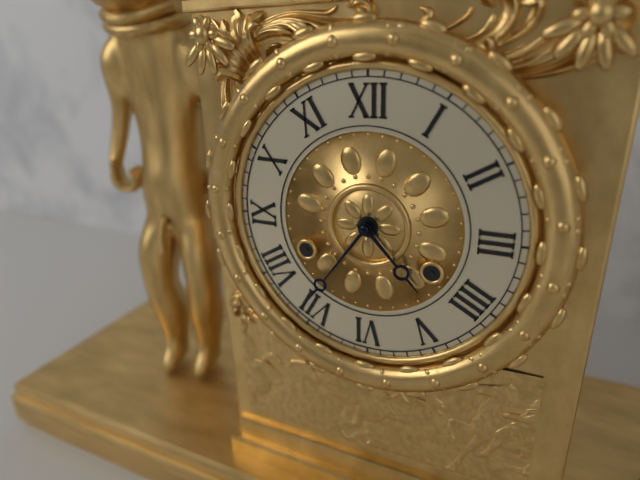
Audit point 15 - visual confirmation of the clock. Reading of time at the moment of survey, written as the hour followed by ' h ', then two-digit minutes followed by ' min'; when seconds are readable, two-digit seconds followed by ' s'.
4 h 36 min
